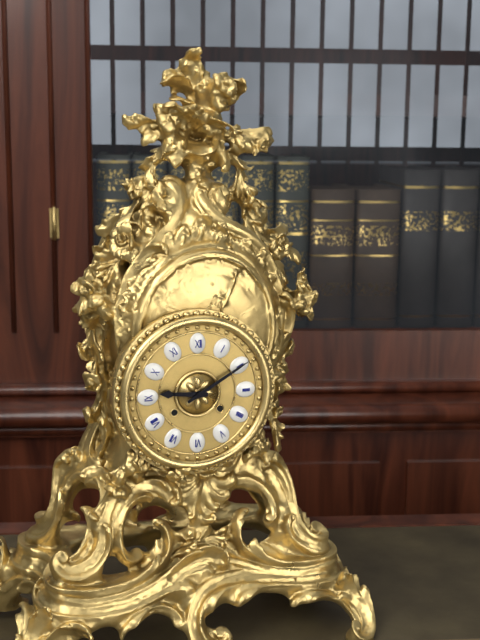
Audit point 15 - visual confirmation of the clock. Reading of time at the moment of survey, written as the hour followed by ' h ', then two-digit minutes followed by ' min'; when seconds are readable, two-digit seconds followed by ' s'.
9 h 10 min
